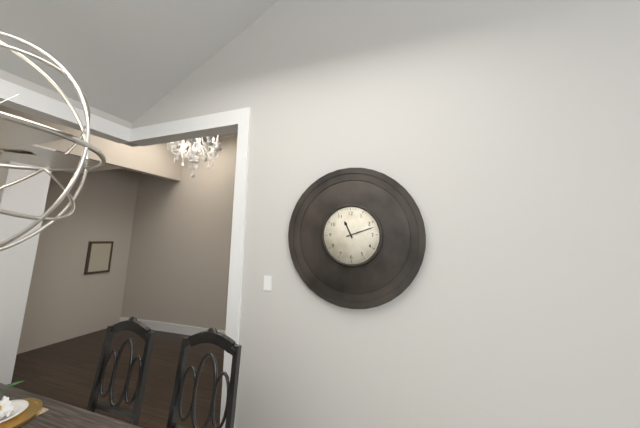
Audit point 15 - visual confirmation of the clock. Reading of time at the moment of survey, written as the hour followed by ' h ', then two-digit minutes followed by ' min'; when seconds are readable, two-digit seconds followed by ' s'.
11 h 12 min
